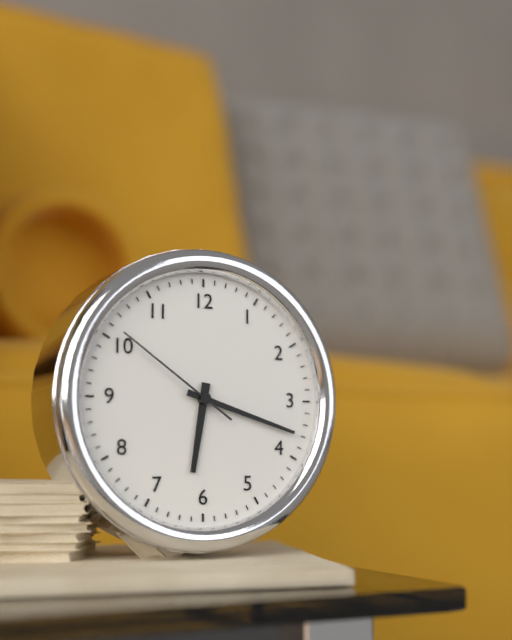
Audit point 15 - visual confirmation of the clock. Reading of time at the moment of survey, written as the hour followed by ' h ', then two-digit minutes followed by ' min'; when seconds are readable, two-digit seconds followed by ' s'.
6 h 18 min 51 s
